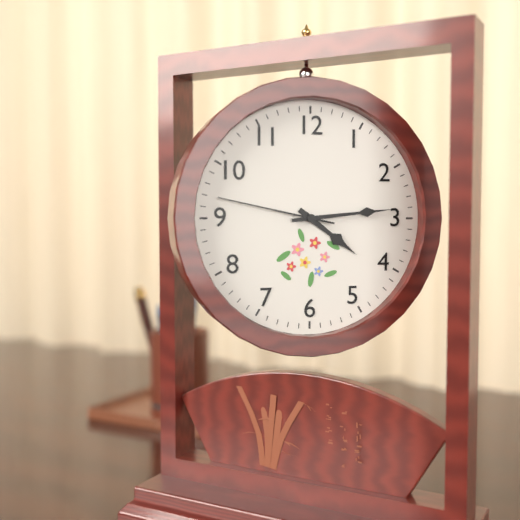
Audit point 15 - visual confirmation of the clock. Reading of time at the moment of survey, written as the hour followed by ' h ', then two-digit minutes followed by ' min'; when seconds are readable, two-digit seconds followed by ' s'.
4 h 14 min 47 s
